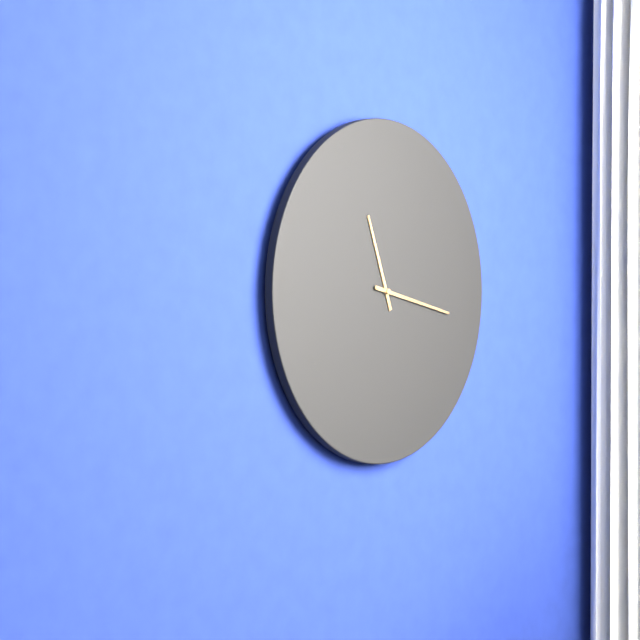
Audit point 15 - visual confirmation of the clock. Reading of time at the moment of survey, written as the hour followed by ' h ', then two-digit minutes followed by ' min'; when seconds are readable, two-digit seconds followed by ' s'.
11 h 17 min
